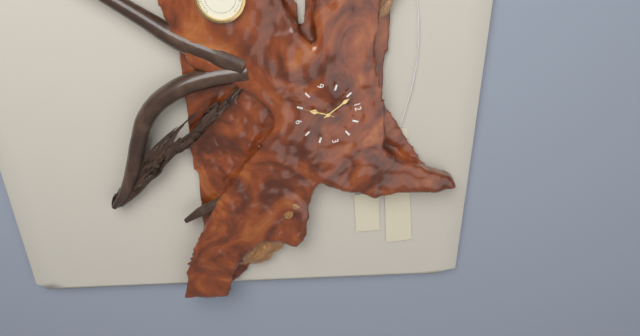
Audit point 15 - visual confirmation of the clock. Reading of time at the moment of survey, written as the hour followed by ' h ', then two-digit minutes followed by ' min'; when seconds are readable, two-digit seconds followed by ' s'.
6 h 56 min
